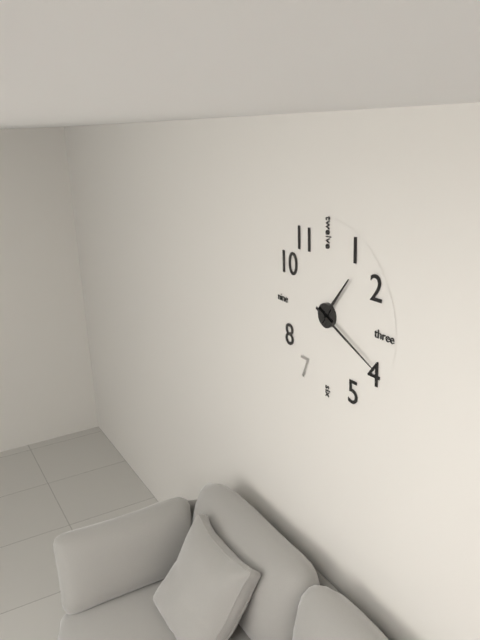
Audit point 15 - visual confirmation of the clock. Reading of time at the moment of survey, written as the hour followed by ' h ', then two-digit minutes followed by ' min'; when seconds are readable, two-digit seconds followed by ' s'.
1 h 19 min
